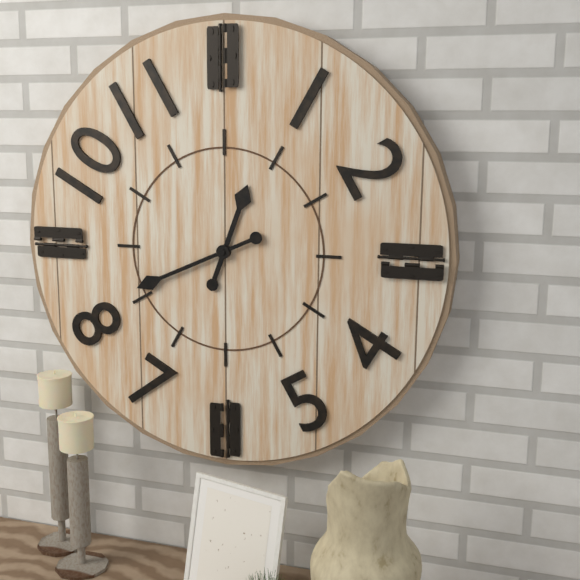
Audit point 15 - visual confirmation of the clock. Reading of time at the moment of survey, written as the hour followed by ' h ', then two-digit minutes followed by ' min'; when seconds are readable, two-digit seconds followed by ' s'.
12 h 41 min
